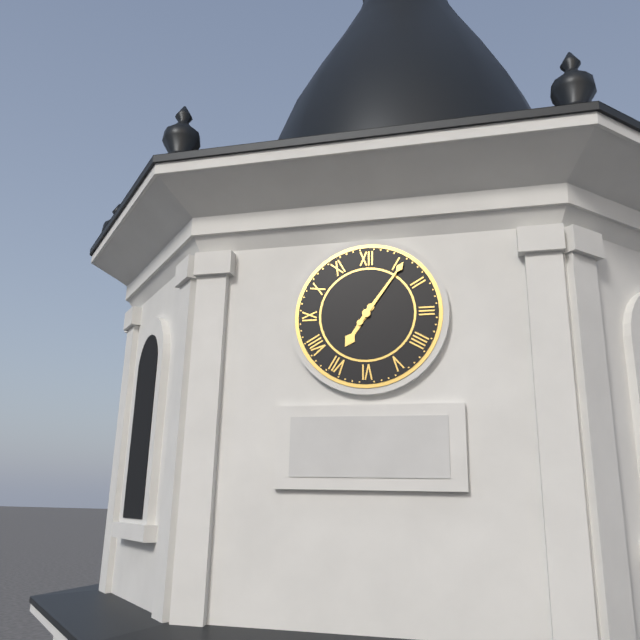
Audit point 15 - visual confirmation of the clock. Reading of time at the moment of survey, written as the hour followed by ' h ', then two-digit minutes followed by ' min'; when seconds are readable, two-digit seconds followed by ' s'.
7 h 06 min
